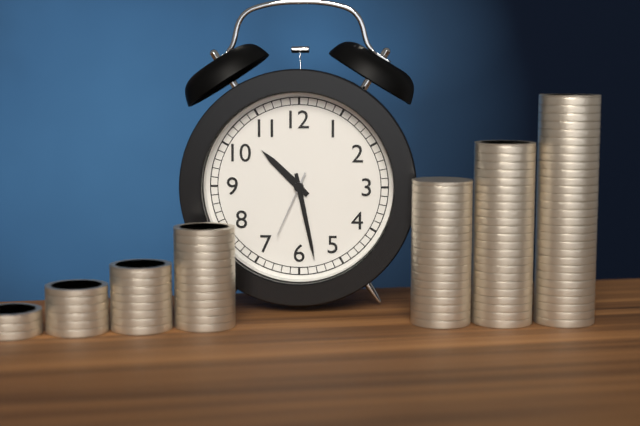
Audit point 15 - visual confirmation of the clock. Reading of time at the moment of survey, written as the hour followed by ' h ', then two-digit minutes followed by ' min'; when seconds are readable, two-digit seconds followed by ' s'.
10 h 28 min 34 s
